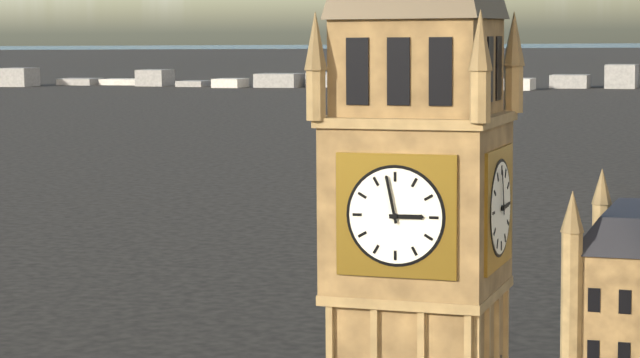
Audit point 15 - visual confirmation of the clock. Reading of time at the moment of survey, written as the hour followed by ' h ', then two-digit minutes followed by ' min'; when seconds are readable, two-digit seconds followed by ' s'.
2 h 58 min
